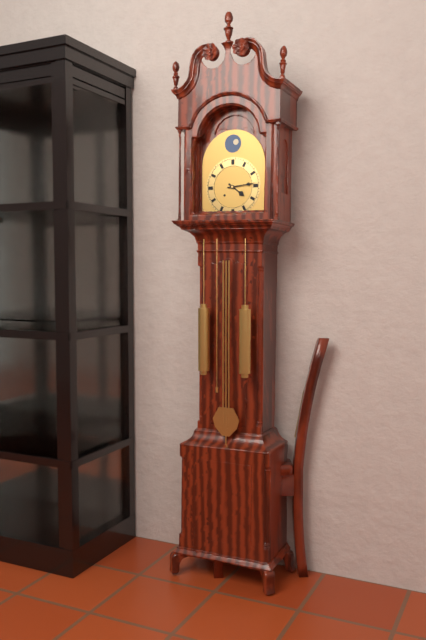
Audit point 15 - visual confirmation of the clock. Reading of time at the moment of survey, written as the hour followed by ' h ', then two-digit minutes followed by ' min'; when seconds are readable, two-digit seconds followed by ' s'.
4 h 14 min
